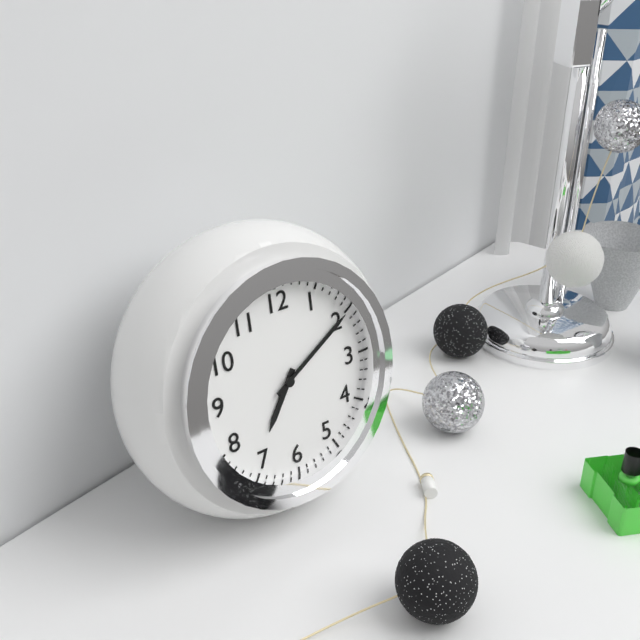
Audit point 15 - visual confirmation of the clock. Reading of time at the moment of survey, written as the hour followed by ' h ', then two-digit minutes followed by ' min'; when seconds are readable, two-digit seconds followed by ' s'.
7 h 10 min
